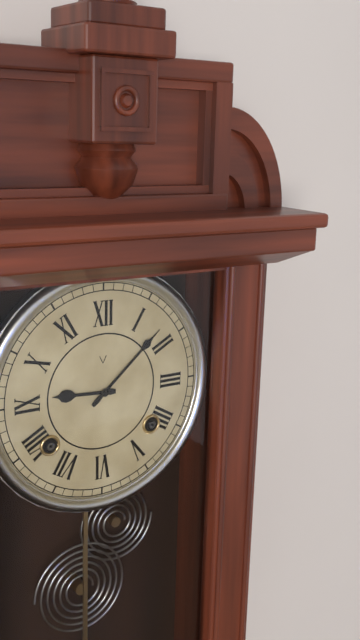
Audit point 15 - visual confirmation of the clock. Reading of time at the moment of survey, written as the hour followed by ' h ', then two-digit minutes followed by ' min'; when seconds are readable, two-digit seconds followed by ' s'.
9 h 08 min
